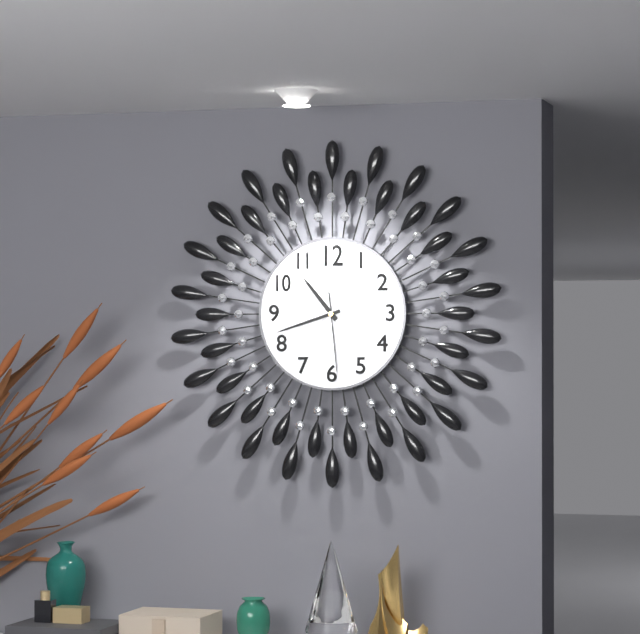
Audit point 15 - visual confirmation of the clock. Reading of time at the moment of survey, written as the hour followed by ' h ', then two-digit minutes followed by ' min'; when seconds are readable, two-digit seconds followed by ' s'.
10 h 42 min 29 s
